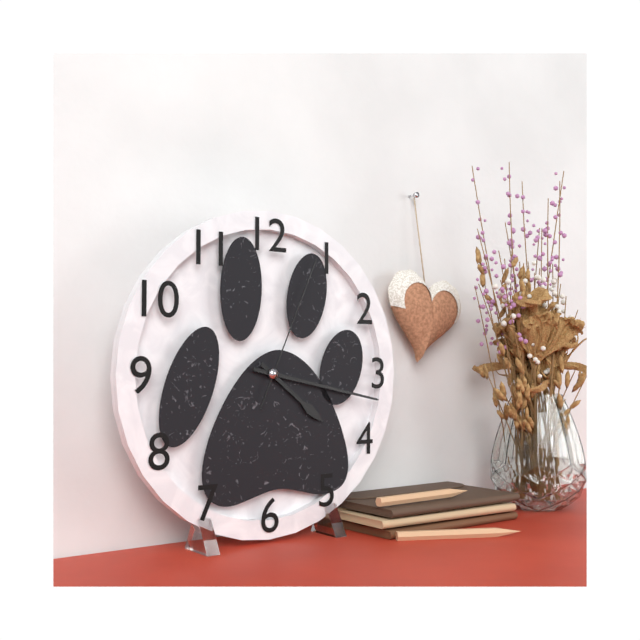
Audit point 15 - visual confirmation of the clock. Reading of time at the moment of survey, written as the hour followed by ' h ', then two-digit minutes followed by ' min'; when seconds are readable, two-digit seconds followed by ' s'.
4 h 17 min 04 s
